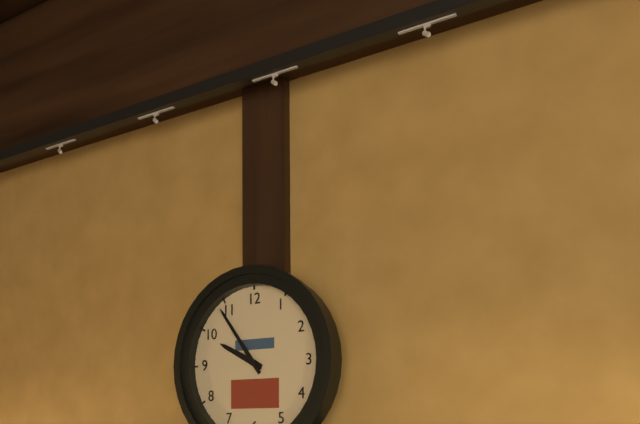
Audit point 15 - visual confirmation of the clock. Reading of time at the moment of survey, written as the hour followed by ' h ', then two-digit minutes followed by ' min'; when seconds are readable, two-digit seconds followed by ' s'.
9 h 54 min
